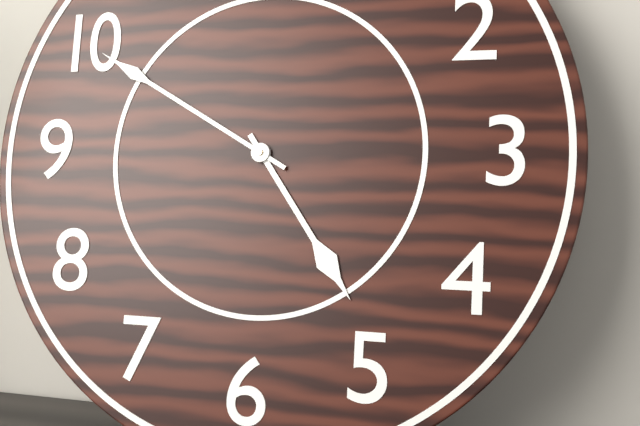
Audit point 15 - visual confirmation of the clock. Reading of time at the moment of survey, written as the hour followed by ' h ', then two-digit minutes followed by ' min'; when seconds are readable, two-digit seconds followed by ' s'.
4 h 50 min
